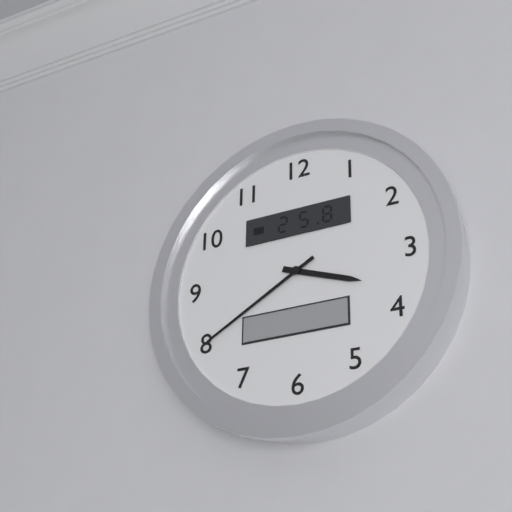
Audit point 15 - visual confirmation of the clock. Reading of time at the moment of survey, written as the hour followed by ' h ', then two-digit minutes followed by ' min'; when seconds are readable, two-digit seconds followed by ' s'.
3 h 40 min
